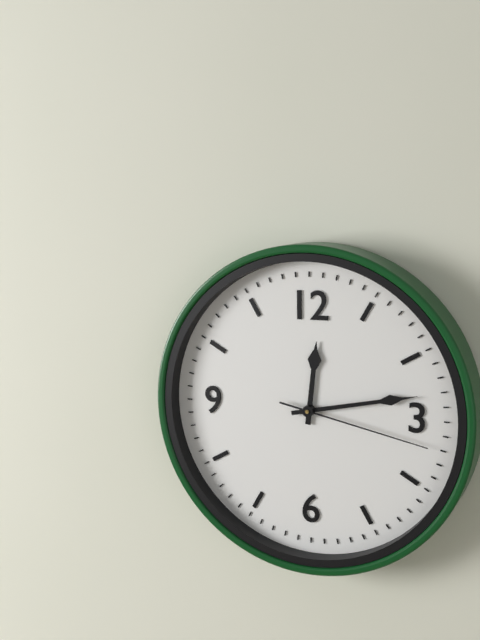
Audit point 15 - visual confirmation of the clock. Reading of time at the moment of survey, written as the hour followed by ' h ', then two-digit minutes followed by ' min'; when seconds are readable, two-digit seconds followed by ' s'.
12 h 13 min 17 s
